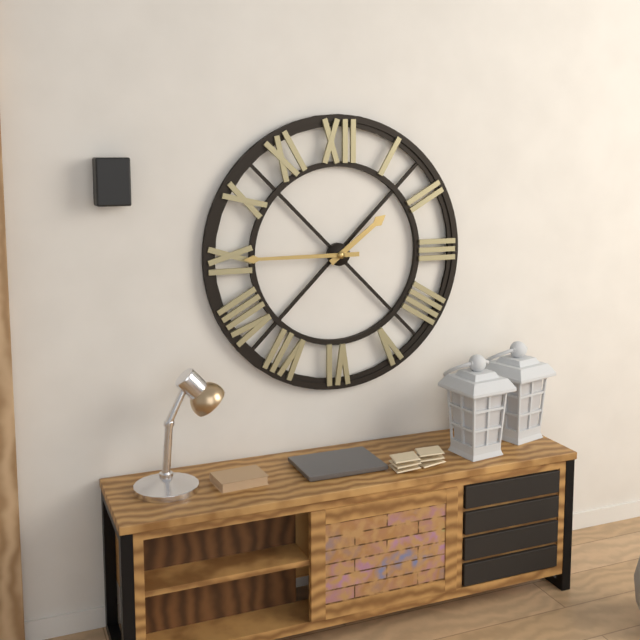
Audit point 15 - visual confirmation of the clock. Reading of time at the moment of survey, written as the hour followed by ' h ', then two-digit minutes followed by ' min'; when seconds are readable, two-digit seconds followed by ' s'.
1 h 45 min
